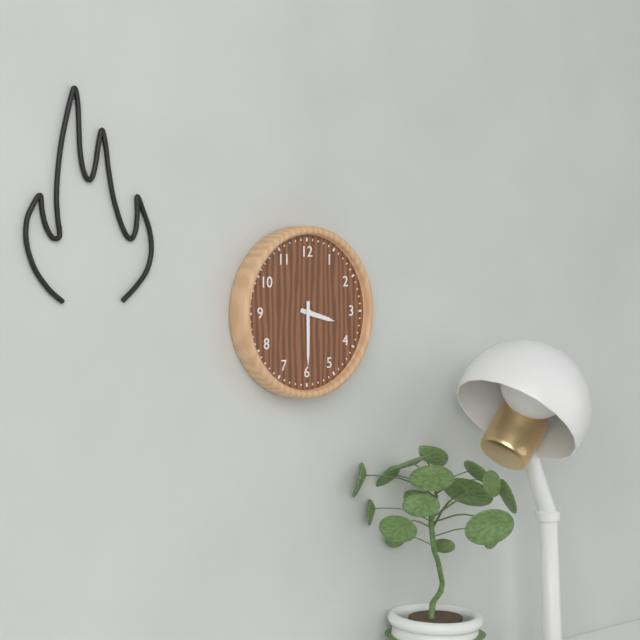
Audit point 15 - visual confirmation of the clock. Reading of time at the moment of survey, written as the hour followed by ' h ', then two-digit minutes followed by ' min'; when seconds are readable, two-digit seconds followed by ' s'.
3 h 30 min
